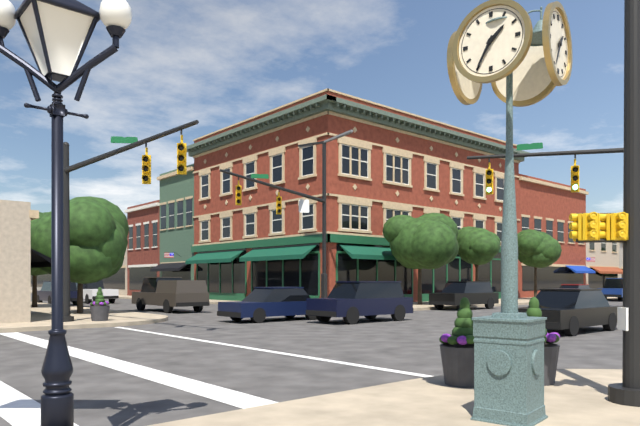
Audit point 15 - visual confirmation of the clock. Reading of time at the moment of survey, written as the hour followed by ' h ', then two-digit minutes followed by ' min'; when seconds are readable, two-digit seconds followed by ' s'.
1 h 35 min
